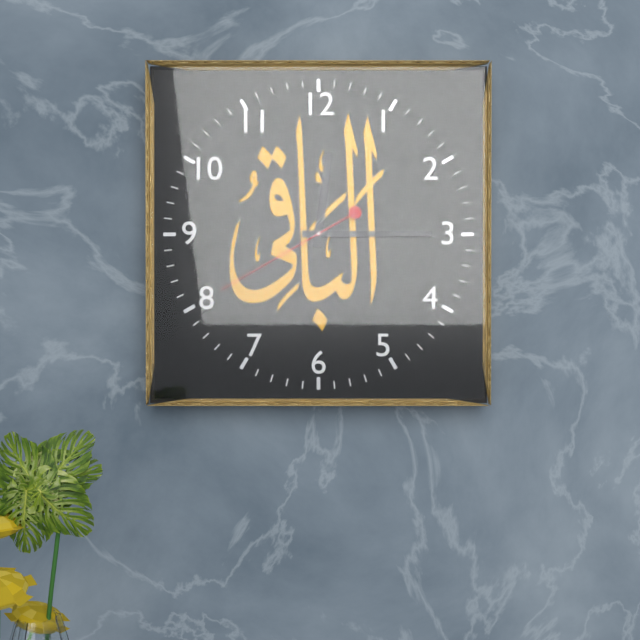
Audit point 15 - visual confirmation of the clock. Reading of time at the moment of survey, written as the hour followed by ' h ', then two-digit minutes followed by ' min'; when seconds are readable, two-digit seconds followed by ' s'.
12 h 15 min 40 s
